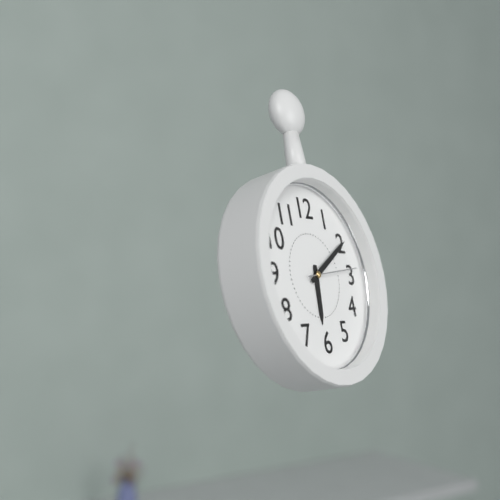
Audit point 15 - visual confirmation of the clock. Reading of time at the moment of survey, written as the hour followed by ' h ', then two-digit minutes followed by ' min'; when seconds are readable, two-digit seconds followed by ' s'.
6 h 10 min 14 s
